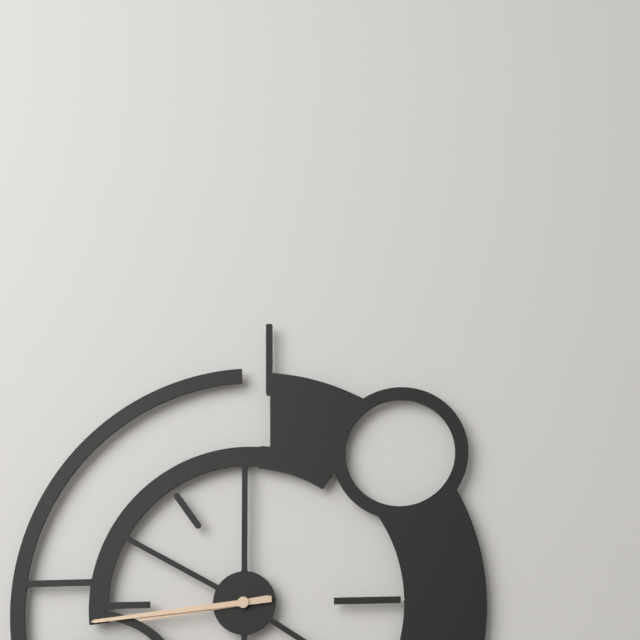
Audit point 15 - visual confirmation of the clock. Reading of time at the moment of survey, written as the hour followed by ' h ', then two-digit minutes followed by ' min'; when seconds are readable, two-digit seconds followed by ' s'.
8 h 44 min
